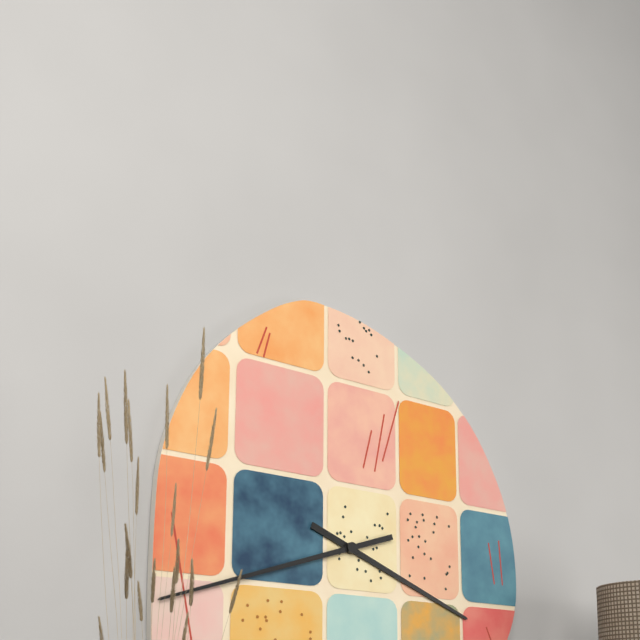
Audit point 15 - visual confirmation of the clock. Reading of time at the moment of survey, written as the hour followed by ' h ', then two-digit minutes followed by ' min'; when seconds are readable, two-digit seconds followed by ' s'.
3 h 42 min
